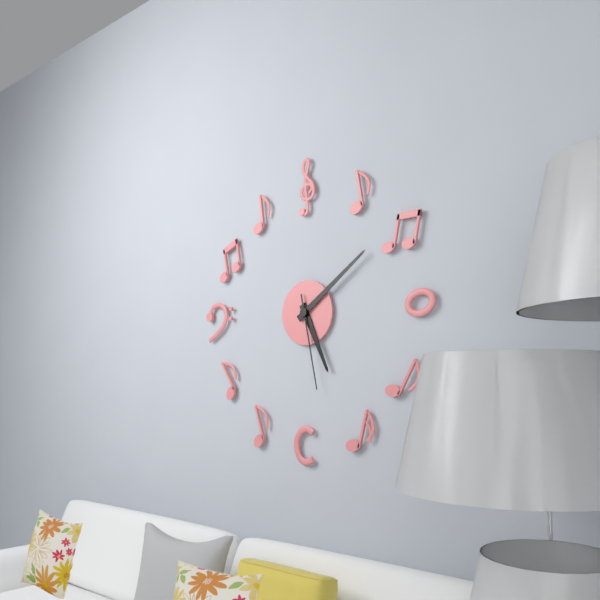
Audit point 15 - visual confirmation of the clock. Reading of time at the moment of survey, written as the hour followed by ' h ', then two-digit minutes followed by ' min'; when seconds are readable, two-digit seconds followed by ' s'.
5 h 09 min 28 s
